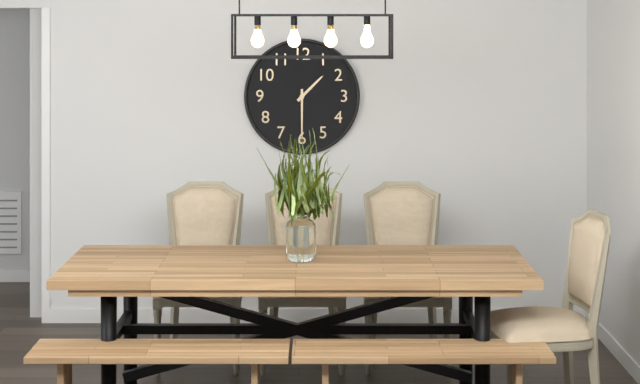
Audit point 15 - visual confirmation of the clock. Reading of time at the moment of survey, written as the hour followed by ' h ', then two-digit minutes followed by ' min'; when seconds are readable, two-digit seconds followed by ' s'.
1 h 30 min
